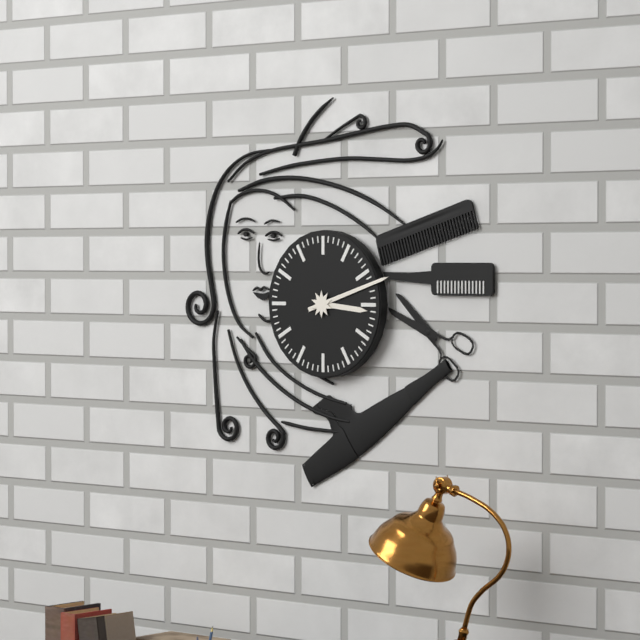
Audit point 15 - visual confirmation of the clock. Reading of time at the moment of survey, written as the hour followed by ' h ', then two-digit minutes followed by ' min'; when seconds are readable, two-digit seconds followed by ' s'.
3 h 12 min
